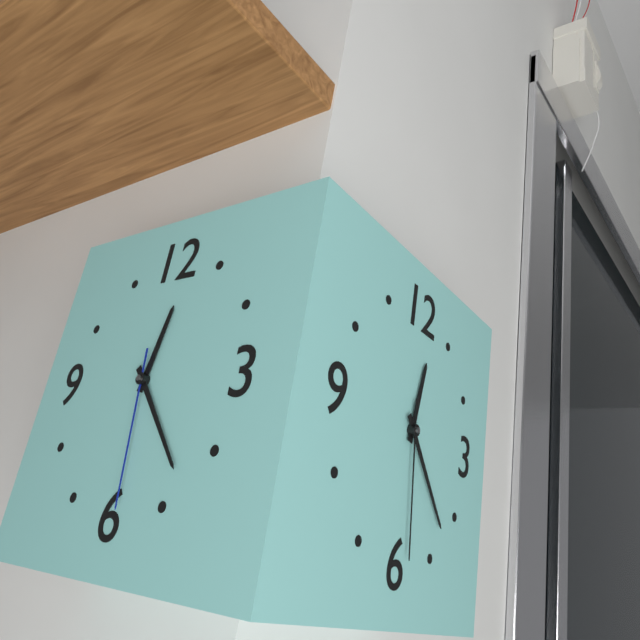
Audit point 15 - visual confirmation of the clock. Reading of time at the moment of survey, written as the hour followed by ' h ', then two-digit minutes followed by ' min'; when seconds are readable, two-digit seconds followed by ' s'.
12 h 23 min 29 s
